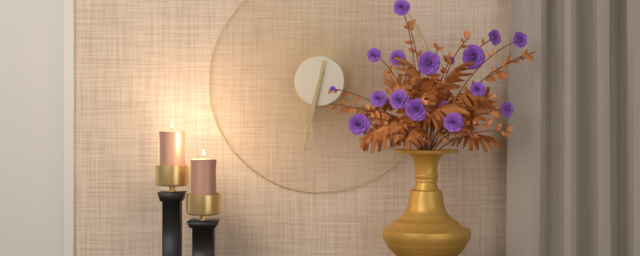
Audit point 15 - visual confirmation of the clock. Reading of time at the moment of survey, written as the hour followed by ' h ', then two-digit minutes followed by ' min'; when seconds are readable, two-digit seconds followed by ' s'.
6 h 32 min
